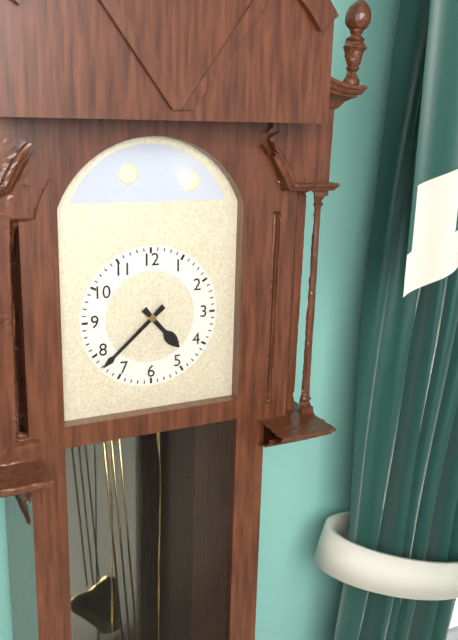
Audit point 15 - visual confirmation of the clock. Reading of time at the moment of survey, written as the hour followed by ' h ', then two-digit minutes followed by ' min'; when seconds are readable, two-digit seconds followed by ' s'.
4 h 38 min
